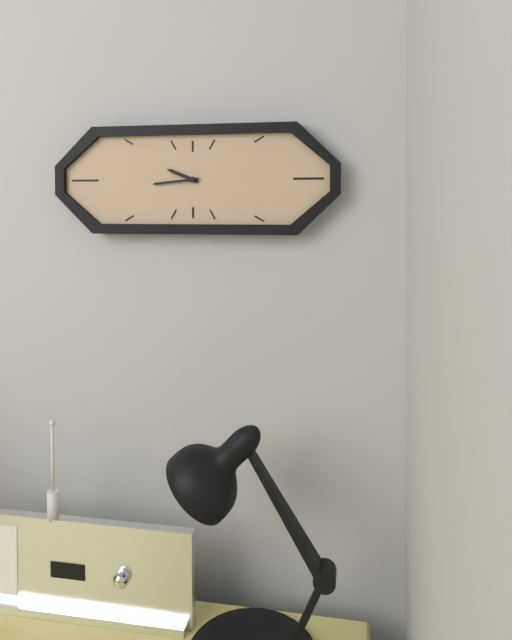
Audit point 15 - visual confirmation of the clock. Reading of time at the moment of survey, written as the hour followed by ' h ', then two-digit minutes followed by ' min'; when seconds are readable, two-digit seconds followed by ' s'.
9 h 44 min
